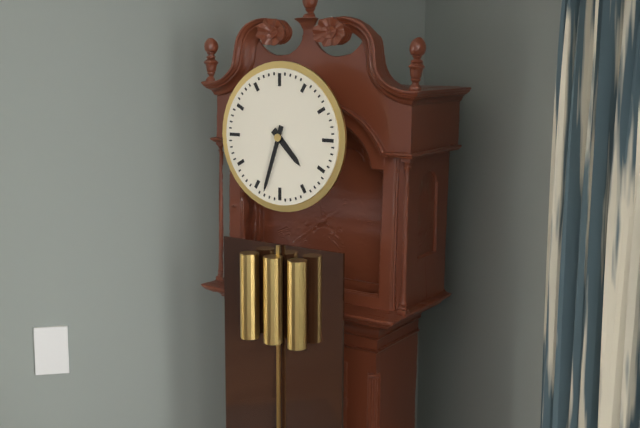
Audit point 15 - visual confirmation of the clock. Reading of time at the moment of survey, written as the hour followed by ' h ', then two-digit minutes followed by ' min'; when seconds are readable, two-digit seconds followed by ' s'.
4 h 33 min
